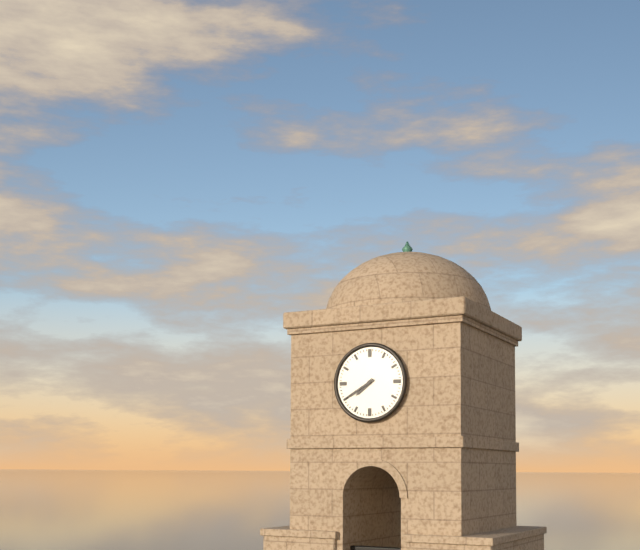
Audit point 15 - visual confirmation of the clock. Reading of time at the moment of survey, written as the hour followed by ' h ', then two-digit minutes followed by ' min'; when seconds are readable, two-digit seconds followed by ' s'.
7 h 40 min
